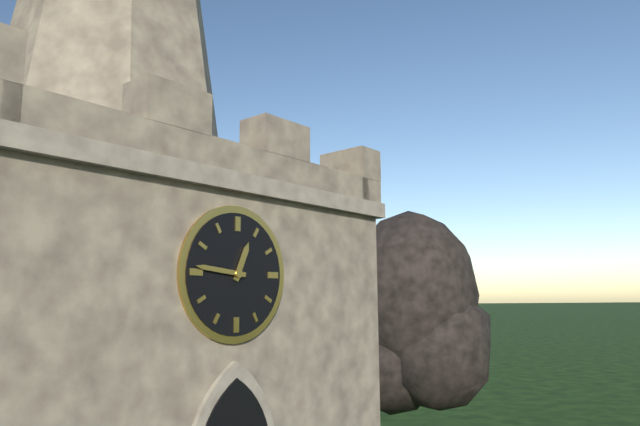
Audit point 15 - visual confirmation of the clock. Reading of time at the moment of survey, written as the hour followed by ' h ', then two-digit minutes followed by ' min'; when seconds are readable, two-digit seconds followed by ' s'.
12 h 46 min
